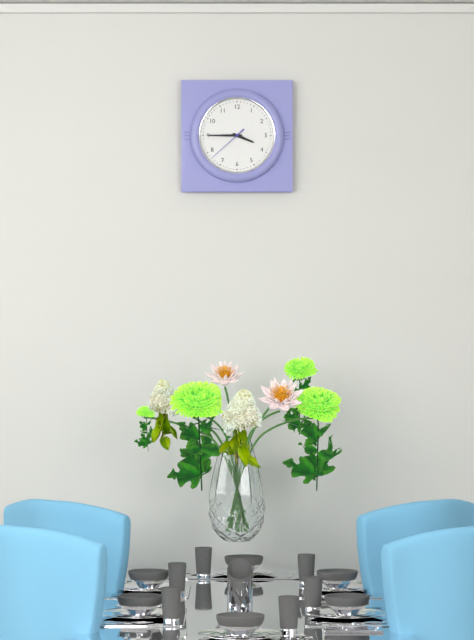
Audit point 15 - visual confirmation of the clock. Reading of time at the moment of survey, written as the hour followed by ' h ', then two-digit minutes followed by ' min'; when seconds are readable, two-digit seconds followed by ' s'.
3 h 45 min
